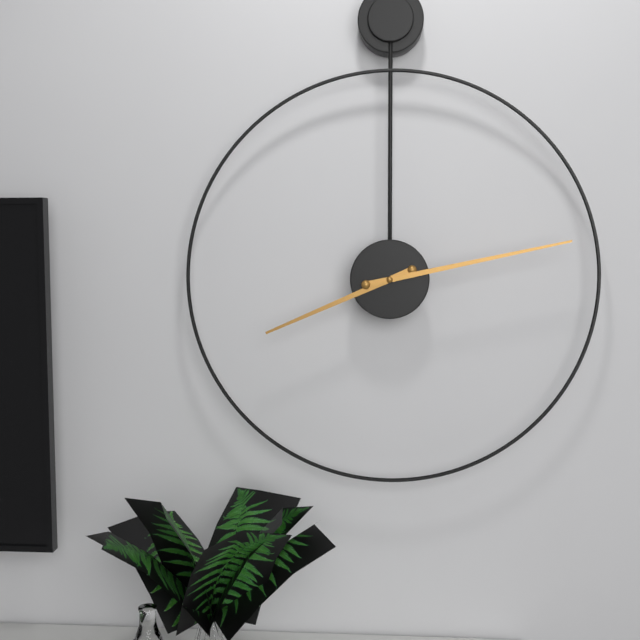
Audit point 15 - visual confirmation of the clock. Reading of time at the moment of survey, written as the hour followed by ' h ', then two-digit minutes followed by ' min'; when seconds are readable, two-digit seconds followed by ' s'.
8 h 13 min
